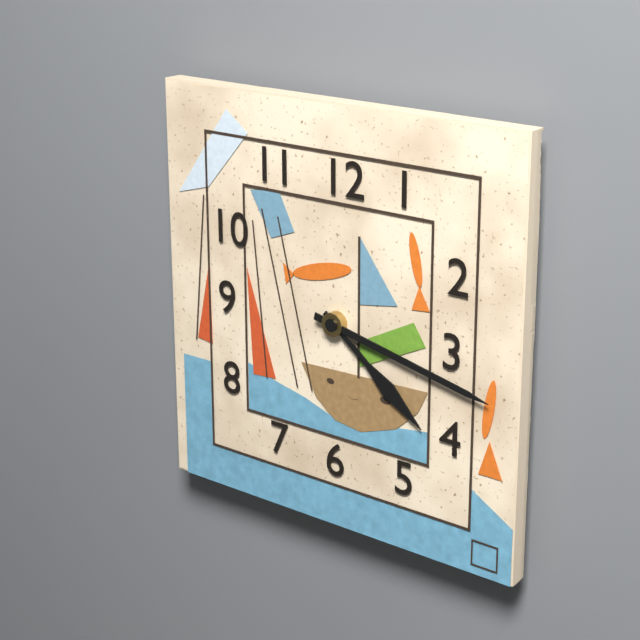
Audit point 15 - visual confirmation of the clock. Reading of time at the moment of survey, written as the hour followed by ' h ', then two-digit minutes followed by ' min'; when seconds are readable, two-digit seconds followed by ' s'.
4 h 17 min
